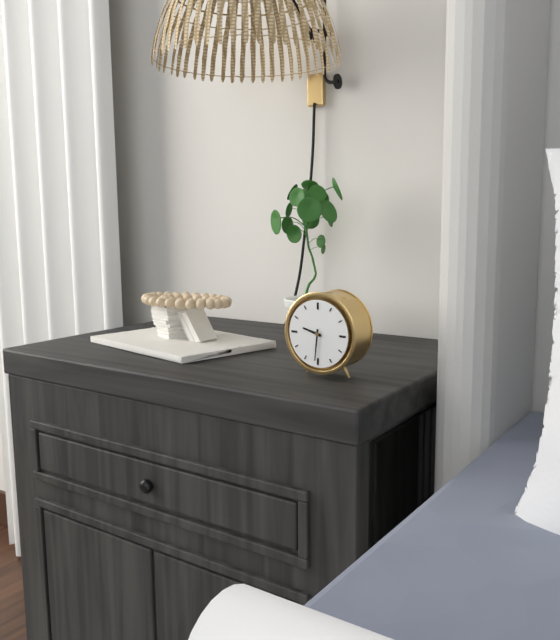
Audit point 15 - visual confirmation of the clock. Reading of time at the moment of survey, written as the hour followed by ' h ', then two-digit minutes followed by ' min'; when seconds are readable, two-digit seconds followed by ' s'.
9 h 31 min
